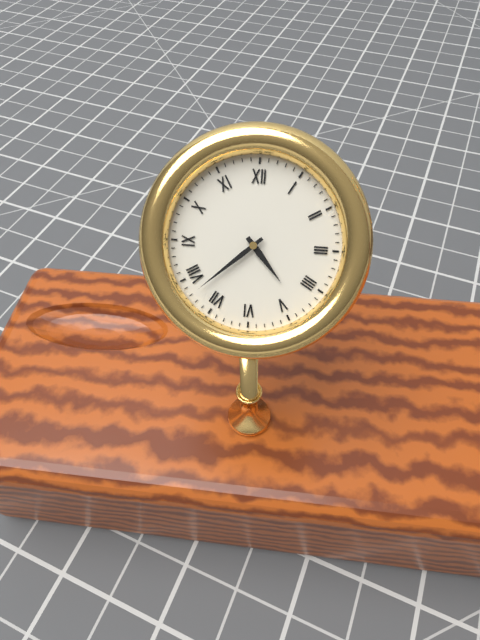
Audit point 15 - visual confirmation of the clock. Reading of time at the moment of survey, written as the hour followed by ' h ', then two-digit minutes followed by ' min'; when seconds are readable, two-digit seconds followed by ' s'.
4 h 38 min
